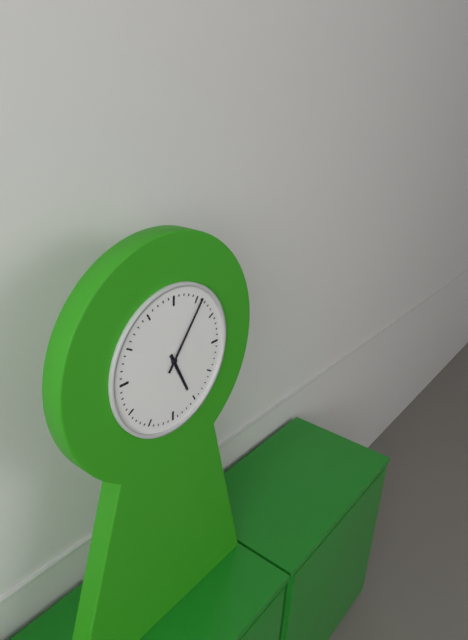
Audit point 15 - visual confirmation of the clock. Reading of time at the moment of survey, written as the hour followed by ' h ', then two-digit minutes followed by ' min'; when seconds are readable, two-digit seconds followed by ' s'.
5 h 06 min
